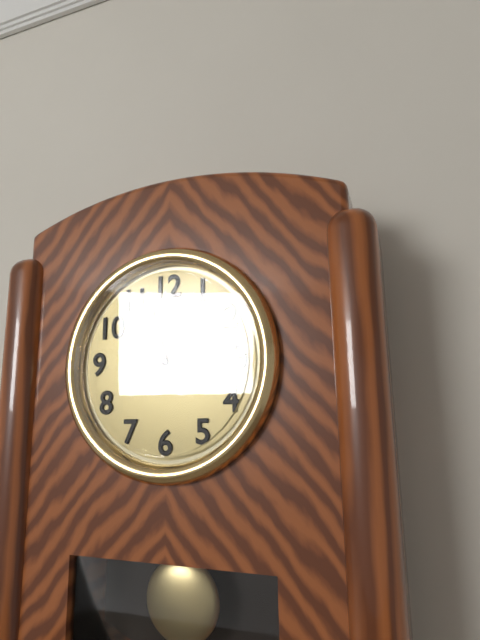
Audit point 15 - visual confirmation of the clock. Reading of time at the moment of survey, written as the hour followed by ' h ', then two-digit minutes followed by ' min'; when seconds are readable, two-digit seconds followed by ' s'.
3 h 57 min
